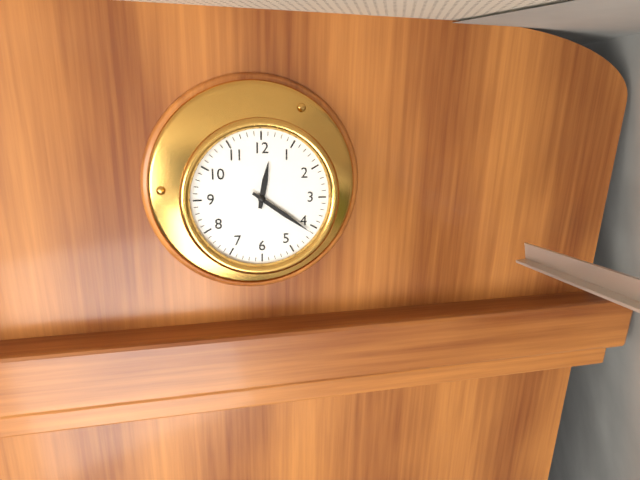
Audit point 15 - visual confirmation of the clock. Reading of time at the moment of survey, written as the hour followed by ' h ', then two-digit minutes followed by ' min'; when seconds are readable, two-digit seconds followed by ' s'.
12 h 21 min
